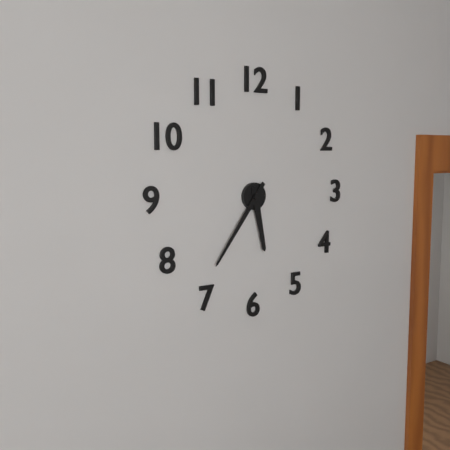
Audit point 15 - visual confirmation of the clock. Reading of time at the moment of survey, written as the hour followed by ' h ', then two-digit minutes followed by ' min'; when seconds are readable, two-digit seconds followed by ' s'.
5 h 36 min
